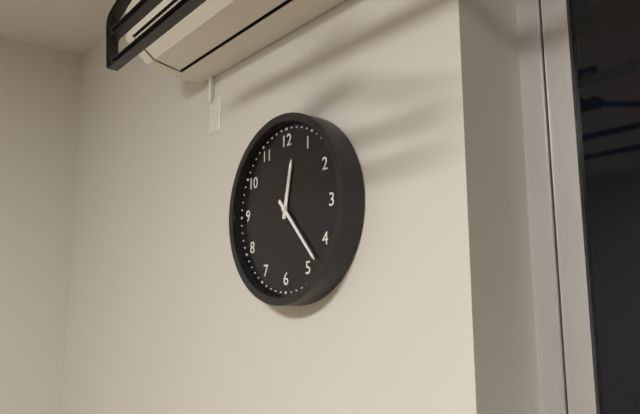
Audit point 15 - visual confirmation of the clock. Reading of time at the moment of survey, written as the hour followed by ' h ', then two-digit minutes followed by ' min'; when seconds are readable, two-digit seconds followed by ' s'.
12 h 23 min
